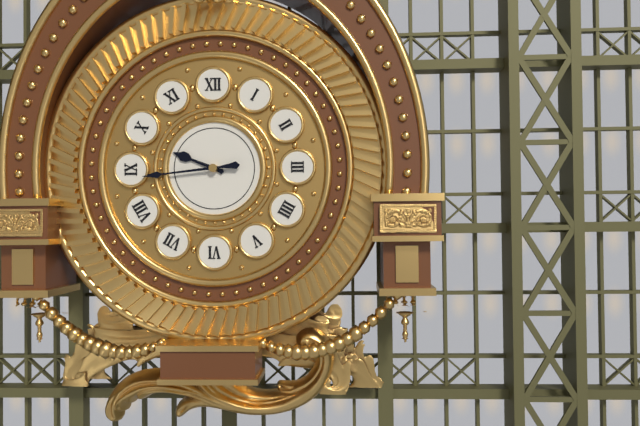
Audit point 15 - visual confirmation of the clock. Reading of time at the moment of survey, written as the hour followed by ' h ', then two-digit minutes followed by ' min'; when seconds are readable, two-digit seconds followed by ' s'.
9 h 44 min
